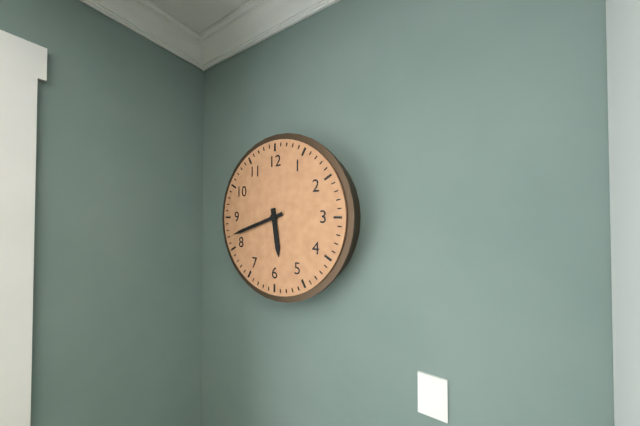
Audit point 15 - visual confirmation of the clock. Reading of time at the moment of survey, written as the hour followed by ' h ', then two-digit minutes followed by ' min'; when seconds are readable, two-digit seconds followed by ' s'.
5 h 42 min
